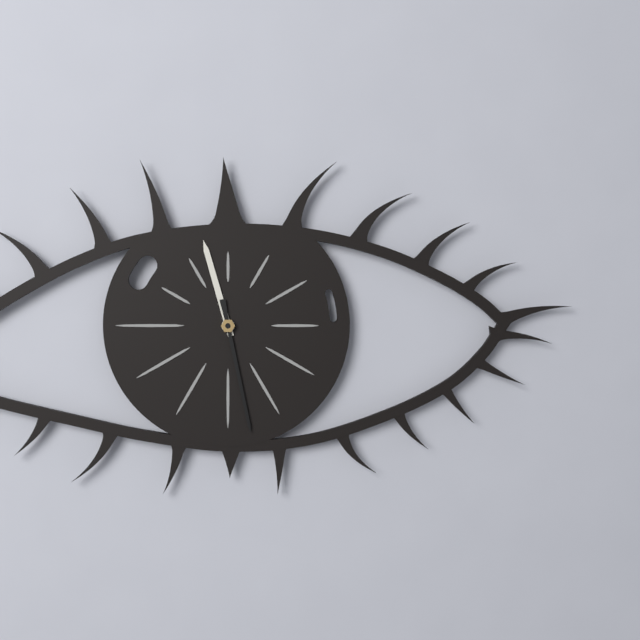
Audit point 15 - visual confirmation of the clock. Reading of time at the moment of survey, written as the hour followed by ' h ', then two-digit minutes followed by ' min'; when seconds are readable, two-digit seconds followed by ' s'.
11 h 28 min
